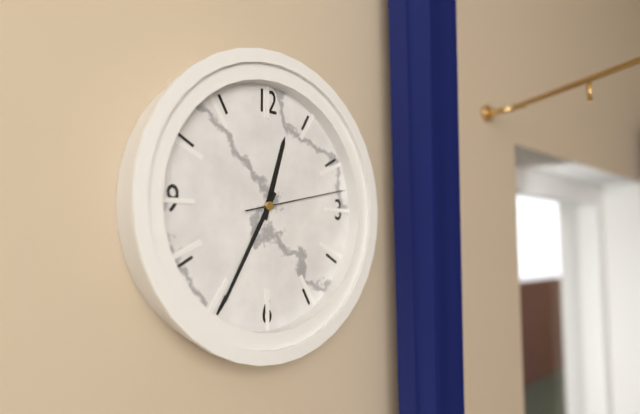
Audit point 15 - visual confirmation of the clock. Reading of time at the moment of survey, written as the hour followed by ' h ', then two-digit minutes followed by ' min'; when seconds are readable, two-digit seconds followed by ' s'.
12 h 35 min 13 s
